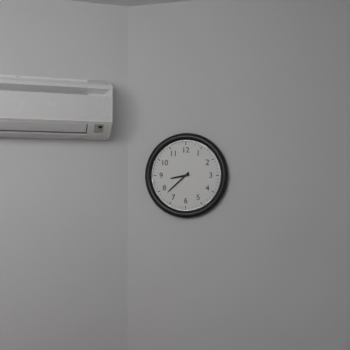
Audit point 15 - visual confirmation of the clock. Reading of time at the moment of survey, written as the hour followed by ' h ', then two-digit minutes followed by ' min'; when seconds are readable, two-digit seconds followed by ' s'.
8 h 38 min
